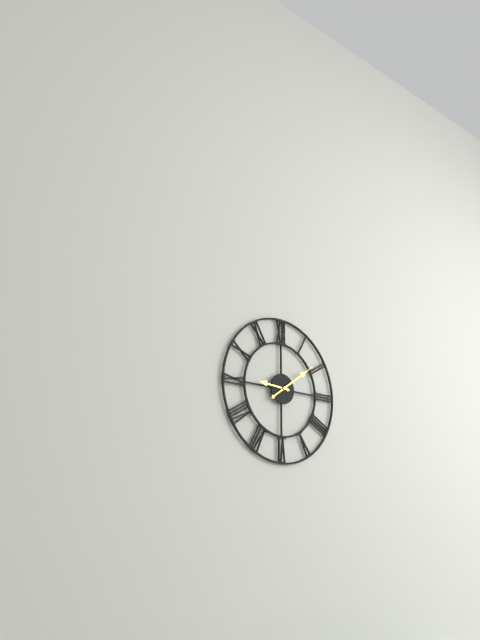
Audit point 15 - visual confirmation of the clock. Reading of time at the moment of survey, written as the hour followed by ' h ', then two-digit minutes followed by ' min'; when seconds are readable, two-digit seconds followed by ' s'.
9 h 09 min
